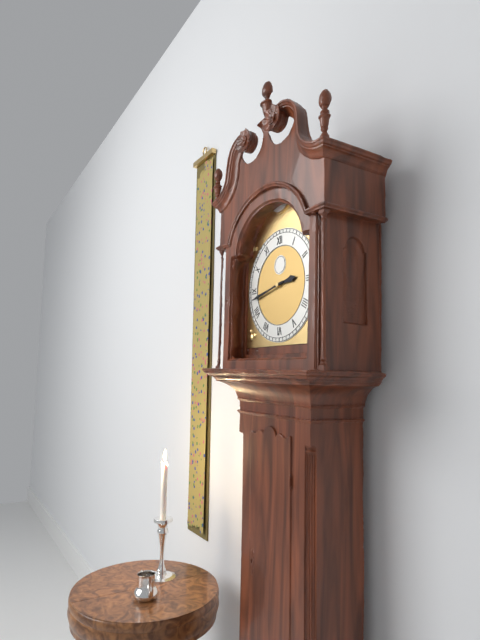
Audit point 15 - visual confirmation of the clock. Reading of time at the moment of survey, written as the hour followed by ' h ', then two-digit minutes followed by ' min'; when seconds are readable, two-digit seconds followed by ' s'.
2 h 43 min
